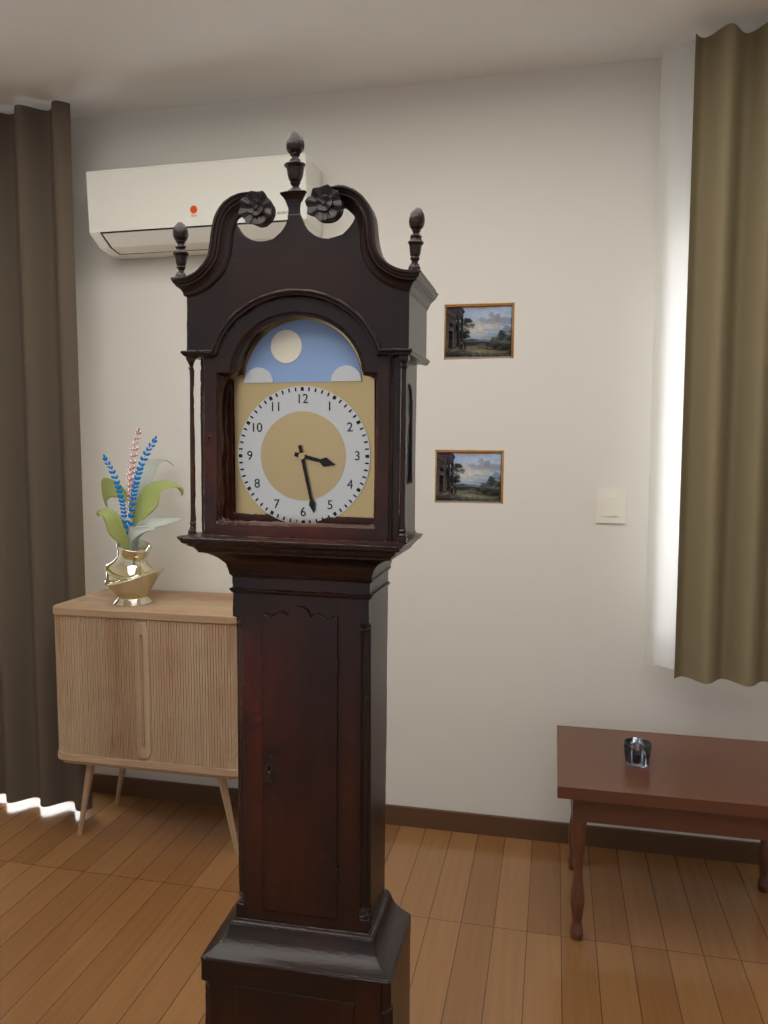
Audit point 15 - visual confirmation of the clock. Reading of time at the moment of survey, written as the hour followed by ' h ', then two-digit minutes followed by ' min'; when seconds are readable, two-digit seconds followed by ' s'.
3 h 28 min
